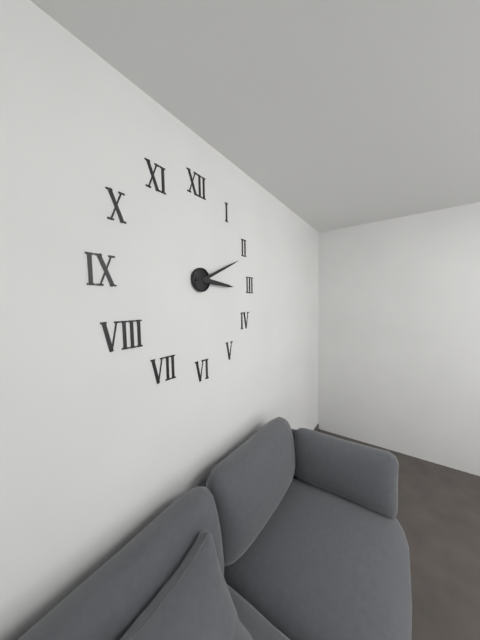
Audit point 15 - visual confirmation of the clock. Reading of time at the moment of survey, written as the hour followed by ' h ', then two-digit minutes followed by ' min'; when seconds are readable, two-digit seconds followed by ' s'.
3 h 11 min
